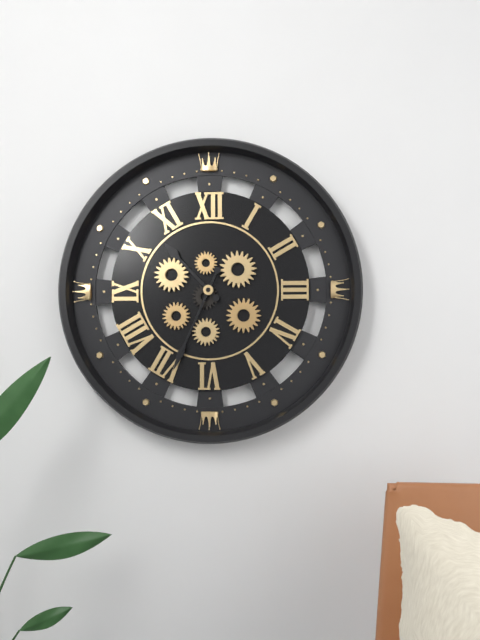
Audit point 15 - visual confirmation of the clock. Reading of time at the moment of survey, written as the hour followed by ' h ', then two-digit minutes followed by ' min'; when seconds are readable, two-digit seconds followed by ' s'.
10 h 34 min
